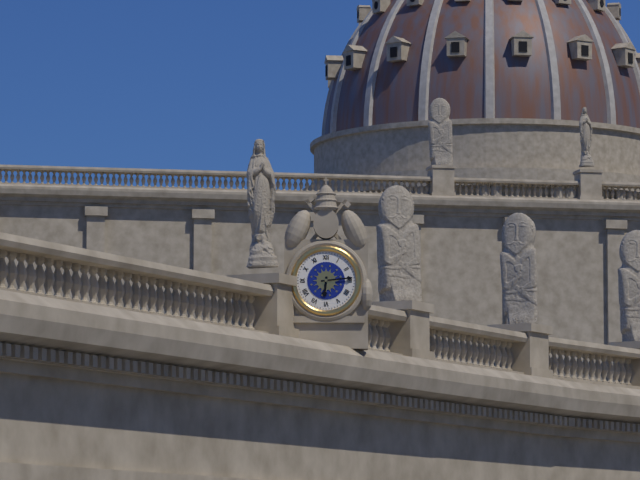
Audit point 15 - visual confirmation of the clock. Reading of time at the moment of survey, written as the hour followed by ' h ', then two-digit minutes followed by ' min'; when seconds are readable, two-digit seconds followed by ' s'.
6 h 14 min
